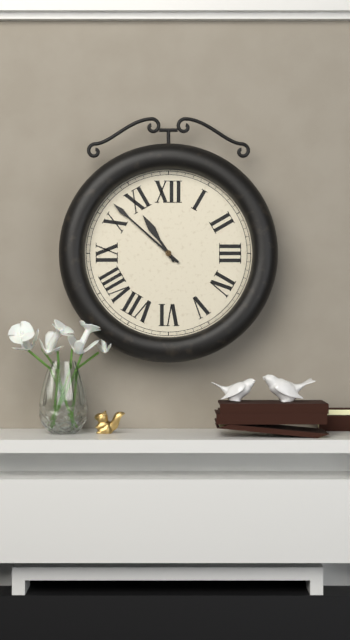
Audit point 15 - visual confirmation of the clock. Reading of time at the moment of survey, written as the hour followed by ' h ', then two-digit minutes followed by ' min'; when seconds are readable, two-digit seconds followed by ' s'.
10 h 52 min
